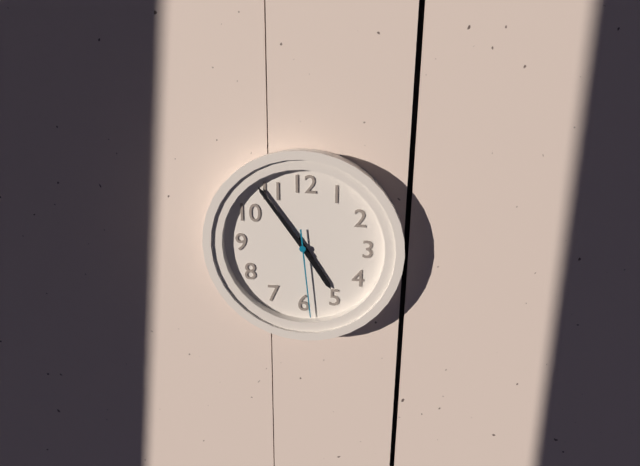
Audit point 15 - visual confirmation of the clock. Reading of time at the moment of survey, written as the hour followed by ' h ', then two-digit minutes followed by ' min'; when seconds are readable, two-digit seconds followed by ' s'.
4 h 54 min 29 s
